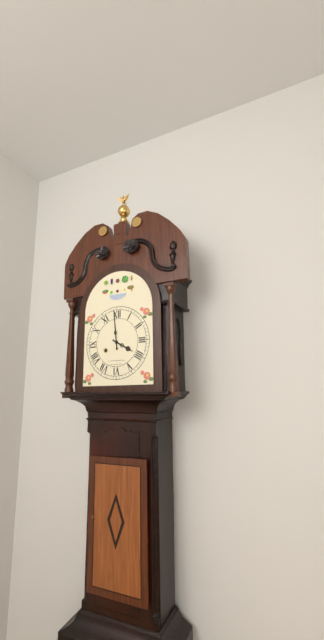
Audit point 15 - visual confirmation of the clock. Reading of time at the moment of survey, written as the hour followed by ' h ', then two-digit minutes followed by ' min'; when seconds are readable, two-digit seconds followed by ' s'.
3 h 59 min
